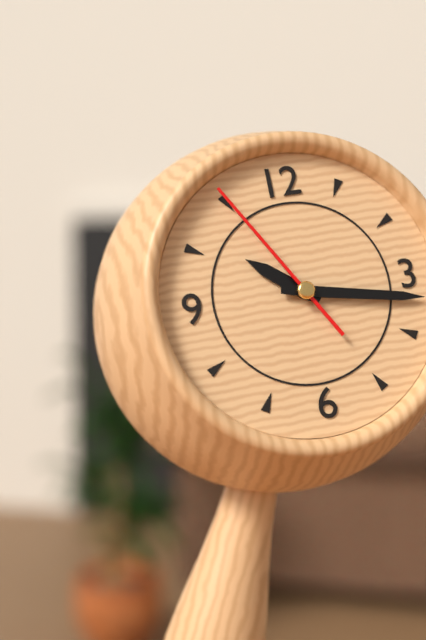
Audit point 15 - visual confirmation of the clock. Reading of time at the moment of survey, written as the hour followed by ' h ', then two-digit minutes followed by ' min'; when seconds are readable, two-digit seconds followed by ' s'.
10 h 17 min 55 s
